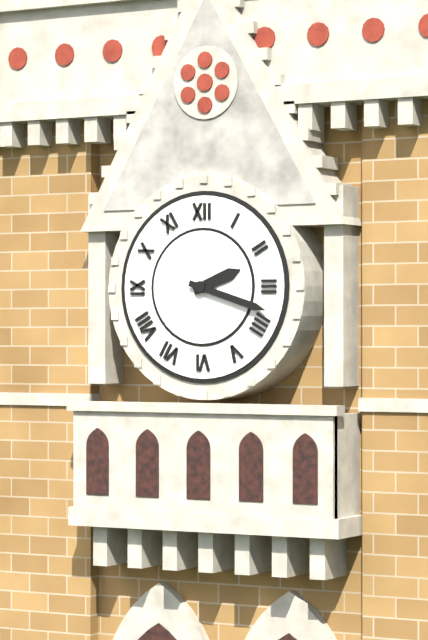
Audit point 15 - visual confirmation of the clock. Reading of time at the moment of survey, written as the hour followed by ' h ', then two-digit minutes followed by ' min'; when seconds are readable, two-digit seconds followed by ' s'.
2 h 18 min
